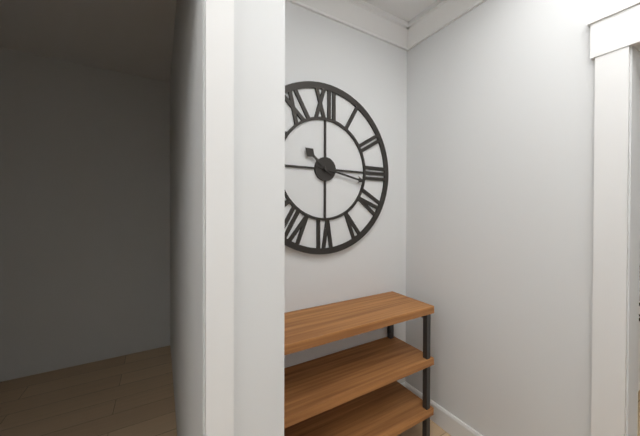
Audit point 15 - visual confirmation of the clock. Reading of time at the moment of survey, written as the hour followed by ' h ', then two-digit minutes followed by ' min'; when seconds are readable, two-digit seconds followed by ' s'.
10 h 17 min
